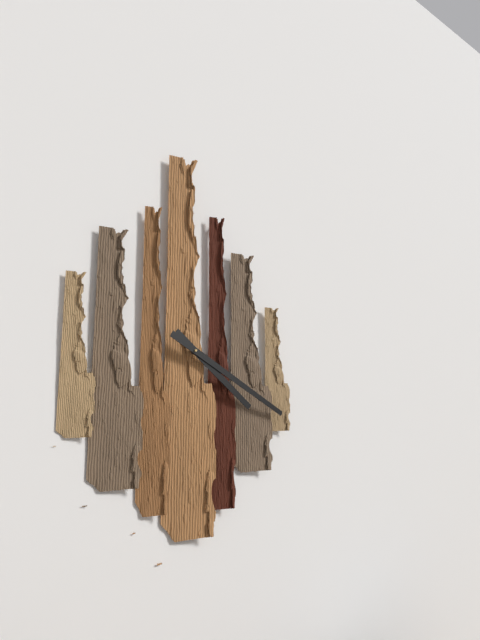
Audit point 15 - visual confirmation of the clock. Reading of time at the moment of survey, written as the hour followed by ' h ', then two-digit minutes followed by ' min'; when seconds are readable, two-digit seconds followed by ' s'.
4 h 20 min
